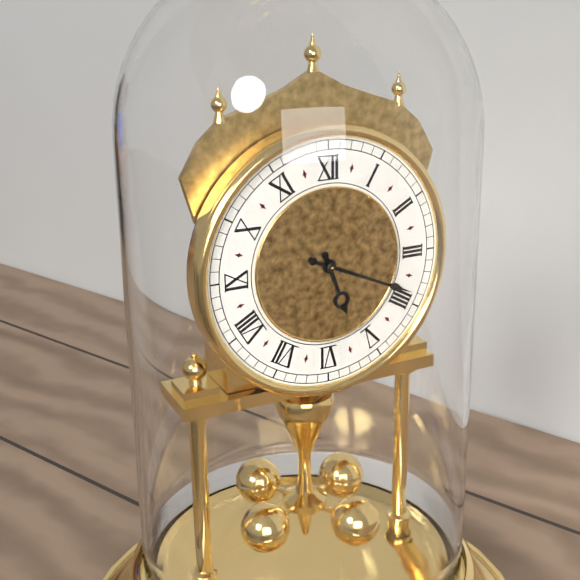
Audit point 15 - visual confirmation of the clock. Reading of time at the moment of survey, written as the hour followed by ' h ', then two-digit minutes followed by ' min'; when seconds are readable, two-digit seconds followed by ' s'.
5 h 19 min
